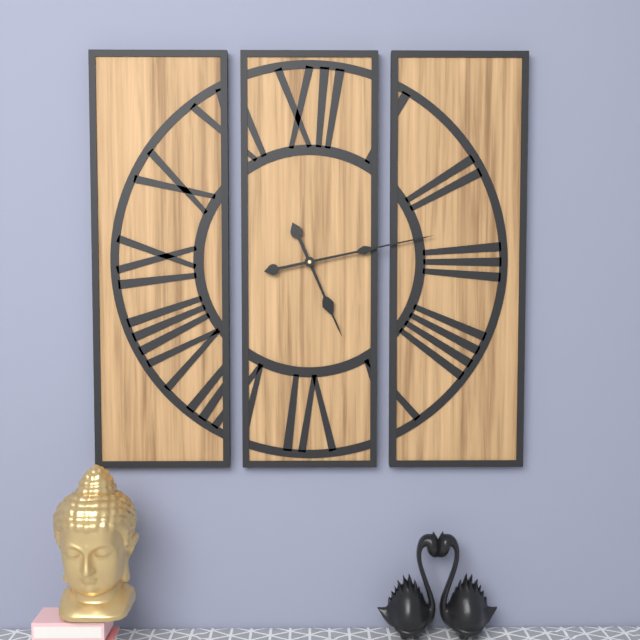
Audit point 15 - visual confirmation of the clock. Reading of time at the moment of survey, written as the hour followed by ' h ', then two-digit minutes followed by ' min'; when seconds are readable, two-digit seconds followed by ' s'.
5 h 13 min
